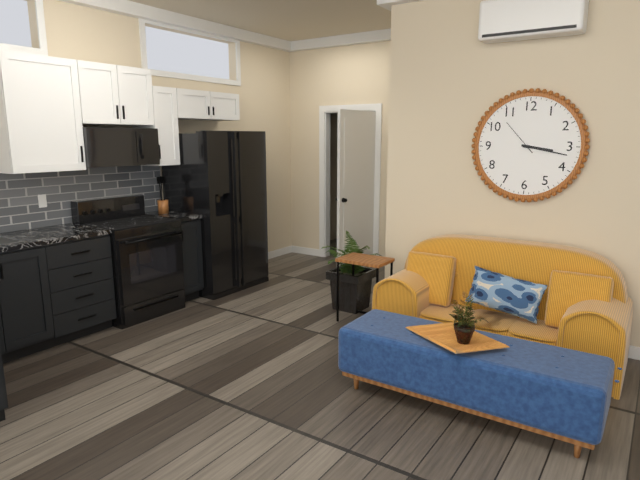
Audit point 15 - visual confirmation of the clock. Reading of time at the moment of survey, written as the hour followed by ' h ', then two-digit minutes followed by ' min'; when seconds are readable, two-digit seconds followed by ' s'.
3 h 17 min
